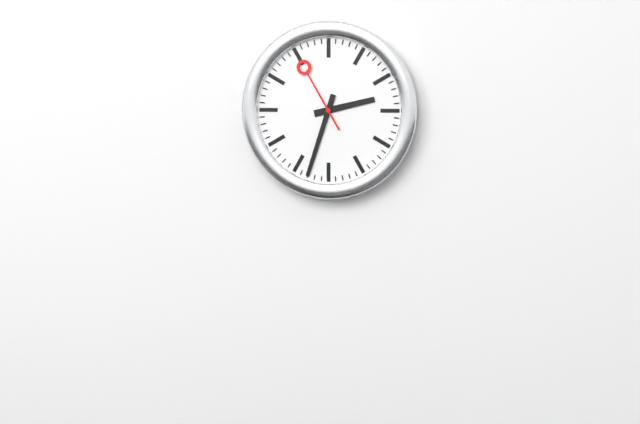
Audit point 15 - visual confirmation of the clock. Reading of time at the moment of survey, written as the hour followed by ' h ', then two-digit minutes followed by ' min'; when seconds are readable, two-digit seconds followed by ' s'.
2 h 33 min 55 s
